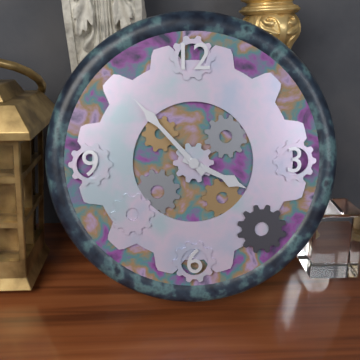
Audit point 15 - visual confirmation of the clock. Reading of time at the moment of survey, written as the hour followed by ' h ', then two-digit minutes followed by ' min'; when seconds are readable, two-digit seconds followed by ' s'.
3 h 53 min
